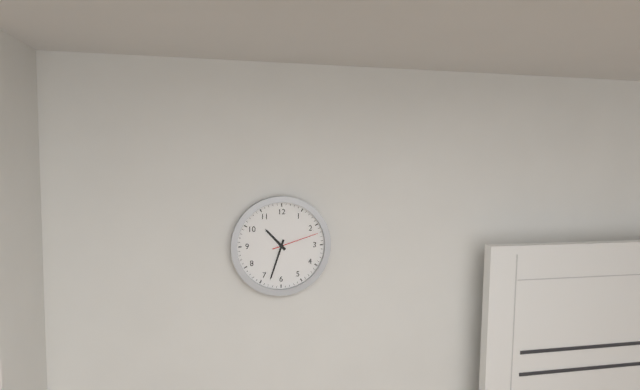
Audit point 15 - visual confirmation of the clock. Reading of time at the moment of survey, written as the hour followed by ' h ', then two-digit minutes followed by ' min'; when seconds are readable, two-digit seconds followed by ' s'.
10 h 33 min
